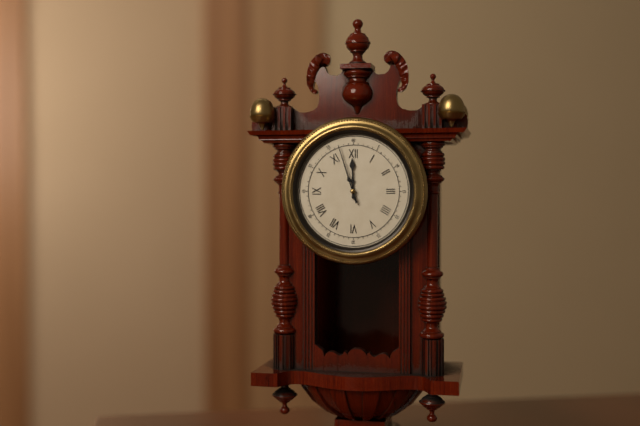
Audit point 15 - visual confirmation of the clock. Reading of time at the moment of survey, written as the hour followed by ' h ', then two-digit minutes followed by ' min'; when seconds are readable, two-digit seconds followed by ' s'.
11 h 57 min
